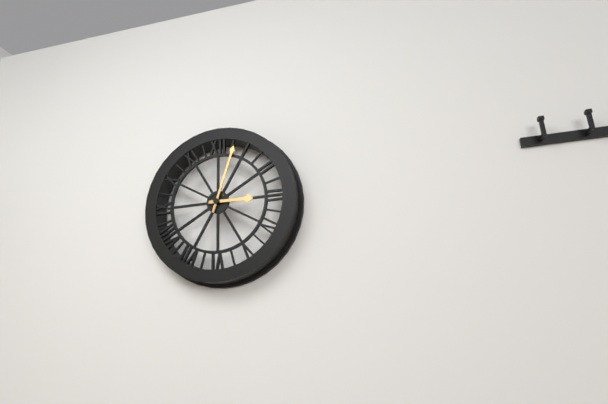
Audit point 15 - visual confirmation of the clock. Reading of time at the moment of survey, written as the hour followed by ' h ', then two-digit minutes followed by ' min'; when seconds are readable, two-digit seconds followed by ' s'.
3 h 03 min
